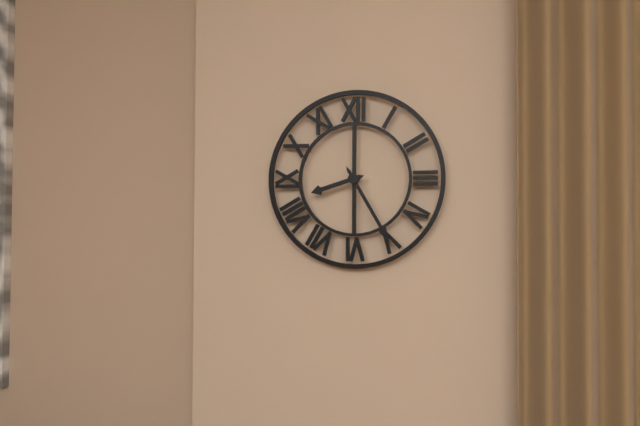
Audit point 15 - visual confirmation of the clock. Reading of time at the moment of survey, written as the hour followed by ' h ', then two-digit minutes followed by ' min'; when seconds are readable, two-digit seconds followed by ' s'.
8 h 25 min
